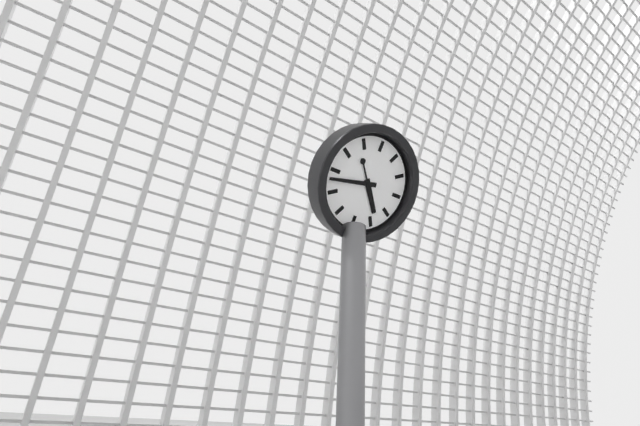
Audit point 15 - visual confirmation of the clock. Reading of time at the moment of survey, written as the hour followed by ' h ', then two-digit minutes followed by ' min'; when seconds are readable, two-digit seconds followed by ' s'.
4 h 43 min
